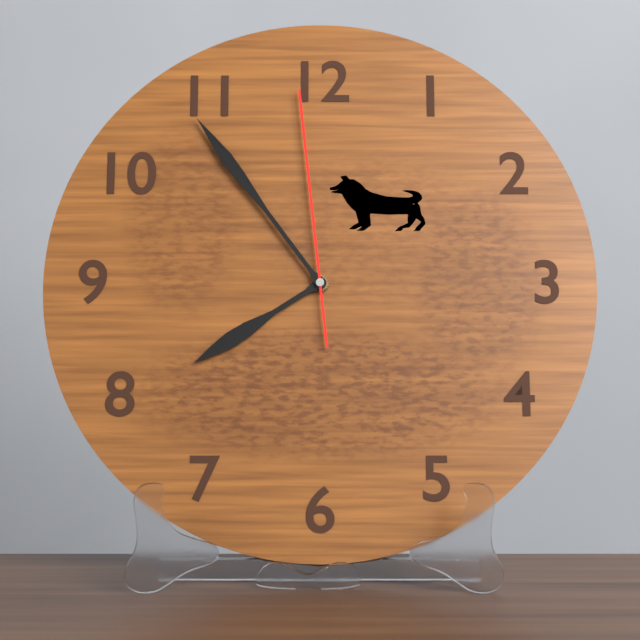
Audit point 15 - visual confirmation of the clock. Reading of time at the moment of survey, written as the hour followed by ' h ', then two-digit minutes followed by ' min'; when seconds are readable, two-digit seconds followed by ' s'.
7 h 54 min 59 s
